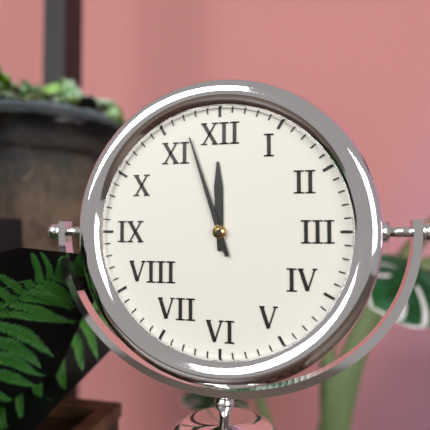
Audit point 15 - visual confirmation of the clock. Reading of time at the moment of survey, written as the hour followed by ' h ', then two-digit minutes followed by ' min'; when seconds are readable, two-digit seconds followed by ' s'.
11 h 57 min
